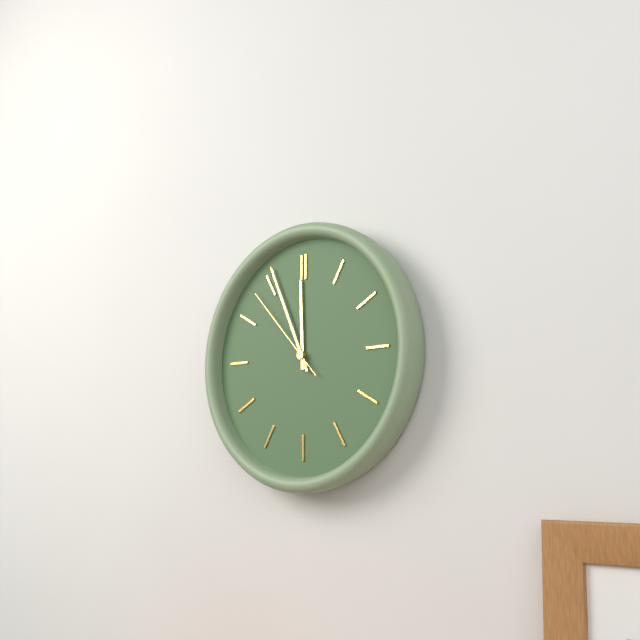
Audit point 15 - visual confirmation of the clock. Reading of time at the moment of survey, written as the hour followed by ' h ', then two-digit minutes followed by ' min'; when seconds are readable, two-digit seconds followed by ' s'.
11 h 56 min 53 s
